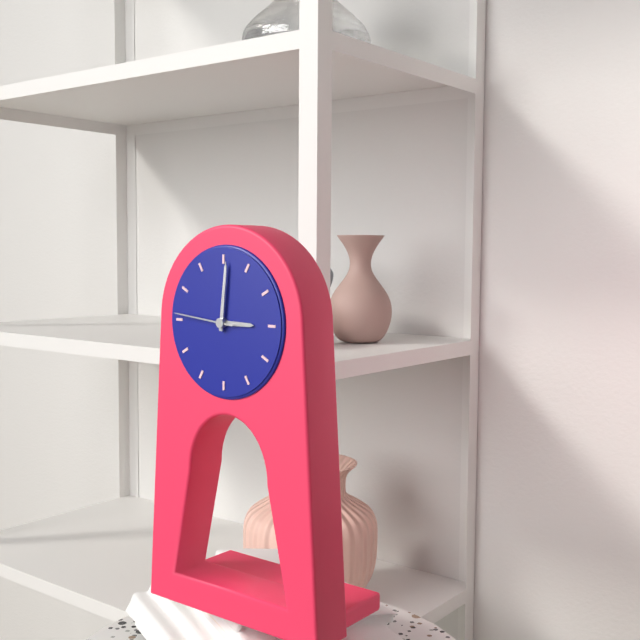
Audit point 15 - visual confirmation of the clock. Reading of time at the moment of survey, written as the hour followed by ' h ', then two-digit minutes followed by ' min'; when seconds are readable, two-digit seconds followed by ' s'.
3 h 01 min 46 s
